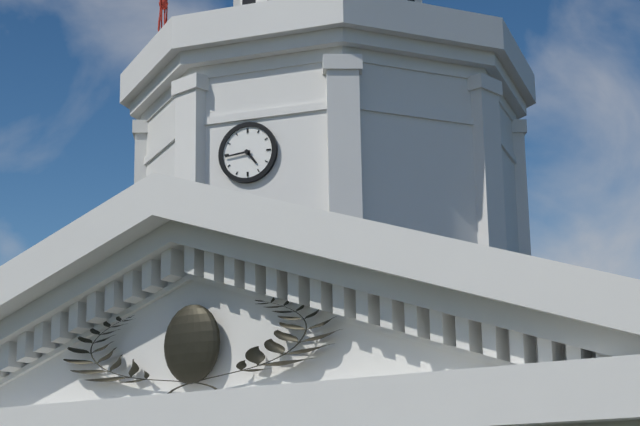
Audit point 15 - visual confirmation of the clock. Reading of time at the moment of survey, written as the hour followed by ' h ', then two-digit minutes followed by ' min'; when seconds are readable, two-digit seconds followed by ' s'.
4 h 44 min
